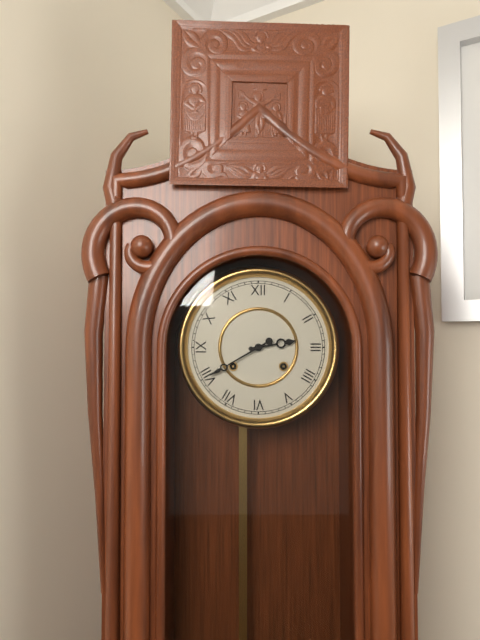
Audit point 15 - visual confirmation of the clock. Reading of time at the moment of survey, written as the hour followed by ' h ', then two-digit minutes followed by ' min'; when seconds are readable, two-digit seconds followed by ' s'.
2 h 40 min
